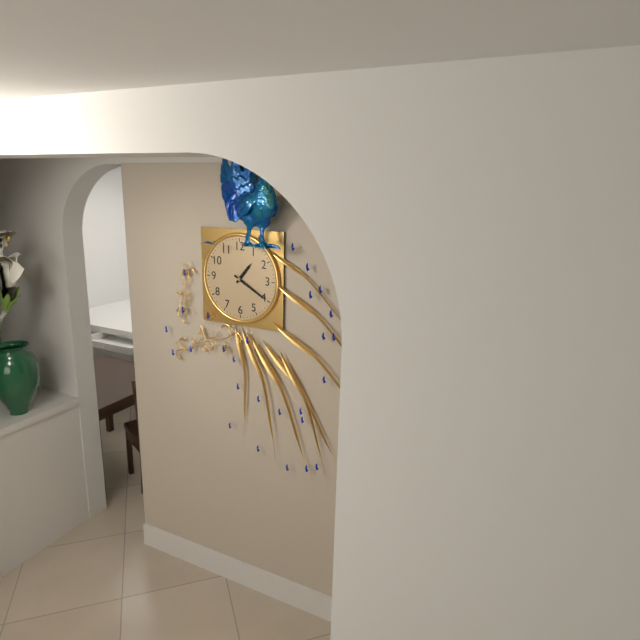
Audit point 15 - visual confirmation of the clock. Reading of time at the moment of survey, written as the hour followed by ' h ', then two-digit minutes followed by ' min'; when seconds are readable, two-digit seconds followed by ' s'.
1 h 20 min
